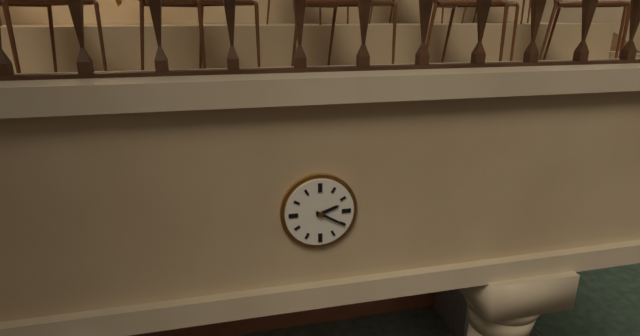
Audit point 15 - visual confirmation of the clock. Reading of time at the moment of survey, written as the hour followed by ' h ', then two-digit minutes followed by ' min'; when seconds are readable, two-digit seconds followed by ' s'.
2 h 20 min
